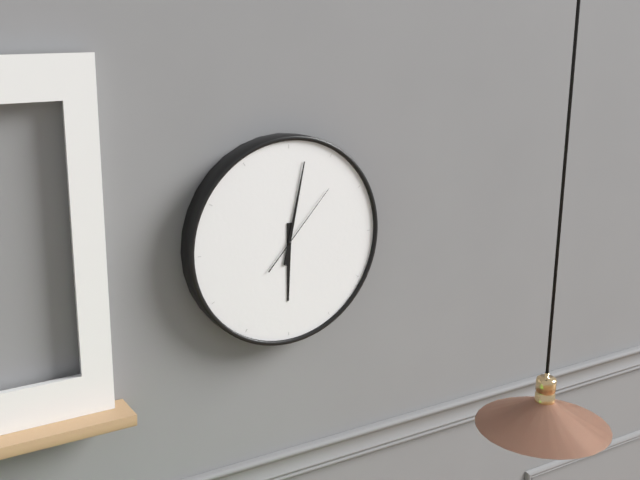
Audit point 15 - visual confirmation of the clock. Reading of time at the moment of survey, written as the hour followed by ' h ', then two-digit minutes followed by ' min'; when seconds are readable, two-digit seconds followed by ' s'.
6 h 02 min 07 s
